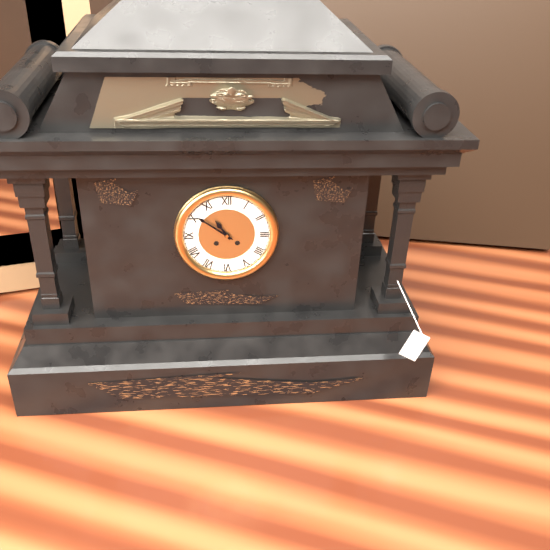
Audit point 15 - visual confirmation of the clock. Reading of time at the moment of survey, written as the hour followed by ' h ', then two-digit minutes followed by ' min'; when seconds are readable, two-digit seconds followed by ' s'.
10 h 51 min
